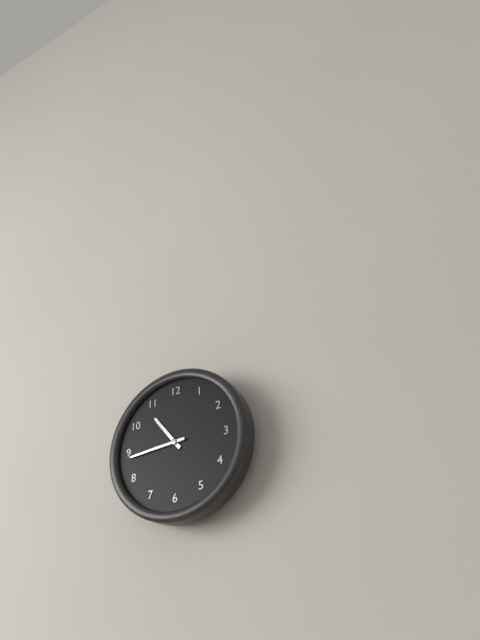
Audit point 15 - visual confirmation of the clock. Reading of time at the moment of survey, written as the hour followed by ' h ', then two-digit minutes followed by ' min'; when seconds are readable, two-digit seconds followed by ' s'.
10 h 44 min
